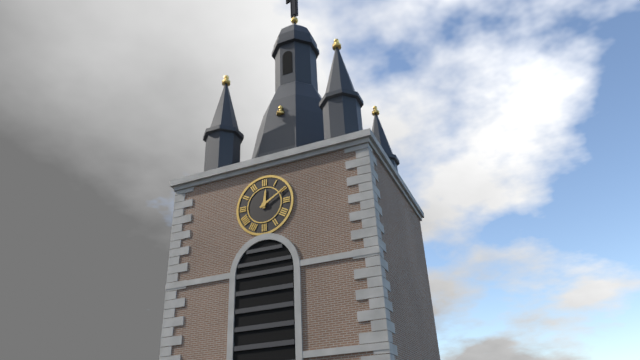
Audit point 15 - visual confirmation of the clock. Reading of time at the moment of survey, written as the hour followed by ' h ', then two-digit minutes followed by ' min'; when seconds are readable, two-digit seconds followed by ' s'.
12 h 10 min
